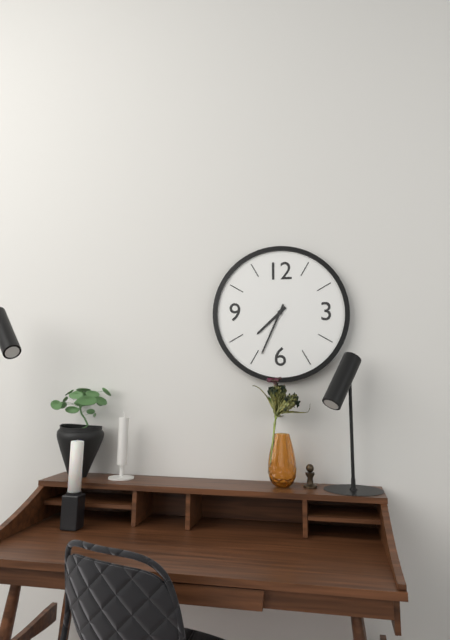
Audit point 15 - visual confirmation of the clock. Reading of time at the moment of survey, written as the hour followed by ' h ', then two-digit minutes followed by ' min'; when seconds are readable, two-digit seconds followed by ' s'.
7 h 34 min
